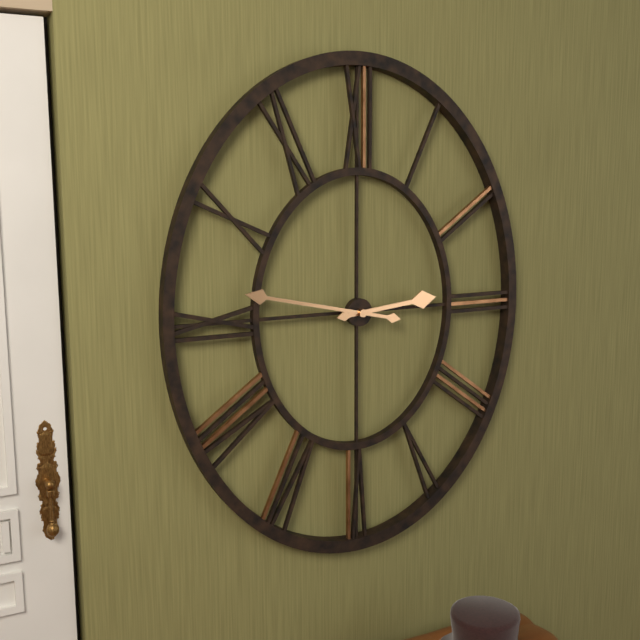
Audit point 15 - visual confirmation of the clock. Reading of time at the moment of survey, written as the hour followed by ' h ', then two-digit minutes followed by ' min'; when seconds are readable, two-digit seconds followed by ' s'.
2 h 47 min
